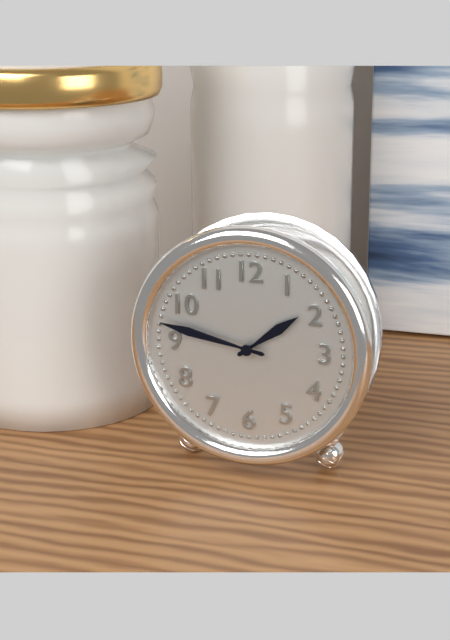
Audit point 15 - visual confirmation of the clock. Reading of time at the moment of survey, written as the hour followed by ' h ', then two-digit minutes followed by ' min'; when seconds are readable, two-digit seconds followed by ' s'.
1 h 47 min
